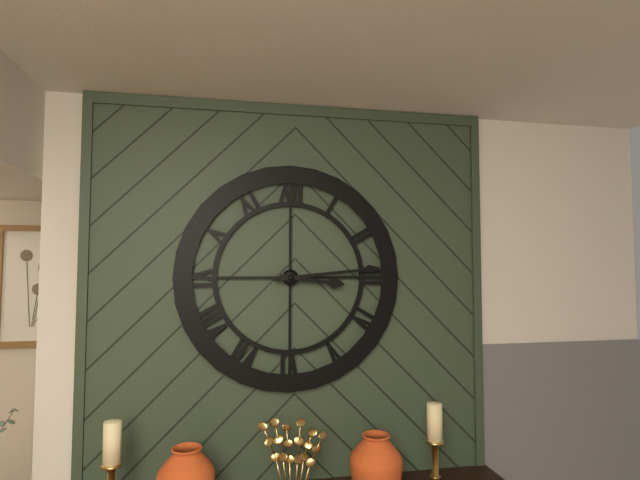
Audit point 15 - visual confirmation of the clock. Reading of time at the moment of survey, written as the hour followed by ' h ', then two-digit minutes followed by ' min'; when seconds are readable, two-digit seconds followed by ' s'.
3 h 14 min
